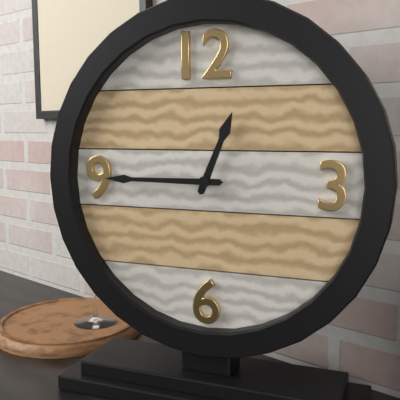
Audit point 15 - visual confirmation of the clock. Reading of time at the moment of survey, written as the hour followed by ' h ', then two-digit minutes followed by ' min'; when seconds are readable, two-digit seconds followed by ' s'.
12 h 45 min
